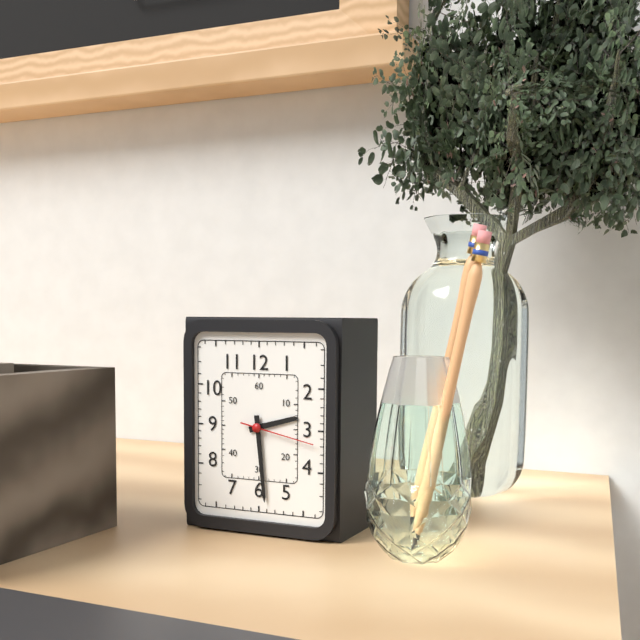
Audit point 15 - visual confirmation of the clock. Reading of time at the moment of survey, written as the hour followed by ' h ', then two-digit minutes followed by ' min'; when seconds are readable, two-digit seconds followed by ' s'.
2 h 29 min 17 s
